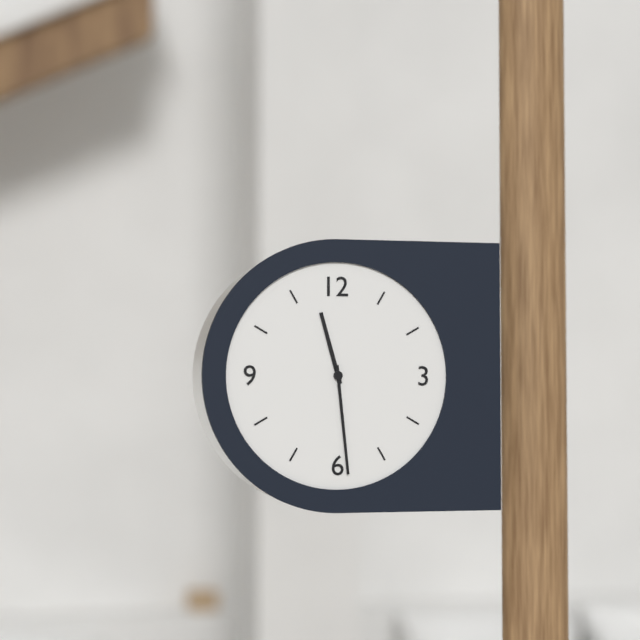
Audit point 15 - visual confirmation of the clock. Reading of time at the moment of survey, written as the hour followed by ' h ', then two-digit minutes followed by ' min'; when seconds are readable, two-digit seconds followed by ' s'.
11 h 29 min
